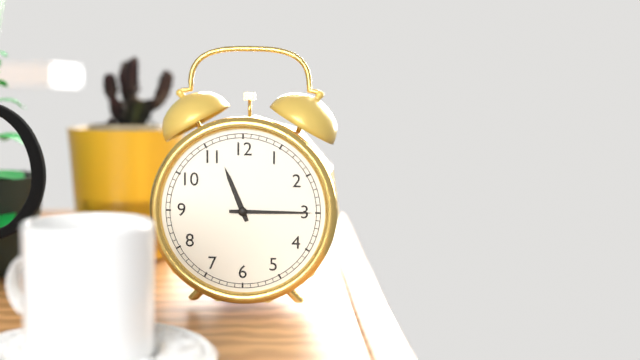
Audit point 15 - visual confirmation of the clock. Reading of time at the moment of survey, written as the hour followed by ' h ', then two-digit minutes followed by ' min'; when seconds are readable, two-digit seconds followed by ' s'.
11 h 15 min
